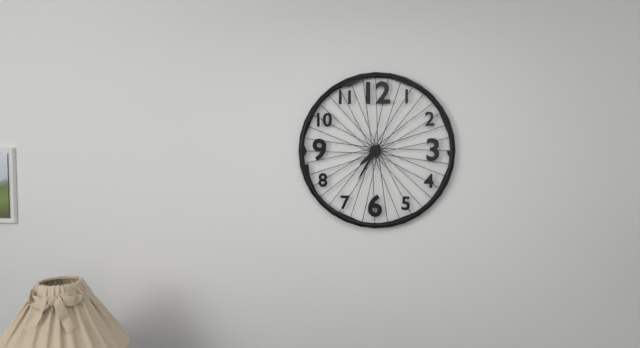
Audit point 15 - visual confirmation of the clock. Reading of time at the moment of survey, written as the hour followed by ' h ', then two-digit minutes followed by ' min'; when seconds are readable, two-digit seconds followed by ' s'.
7 h 35 min
